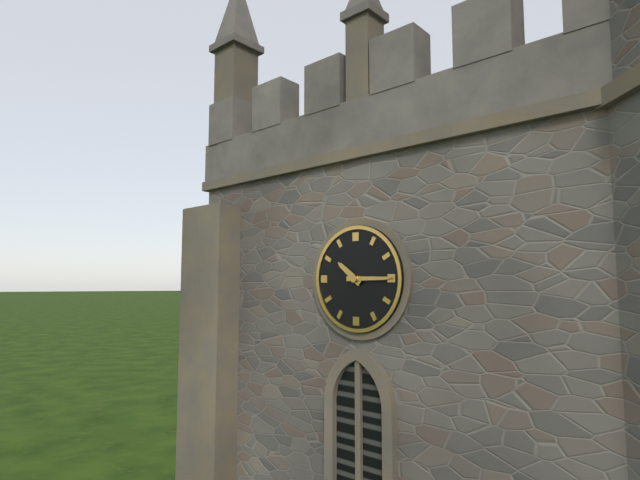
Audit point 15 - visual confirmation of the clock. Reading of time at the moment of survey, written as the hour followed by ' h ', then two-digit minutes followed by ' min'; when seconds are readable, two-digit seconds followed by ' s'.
10 h 15 min
